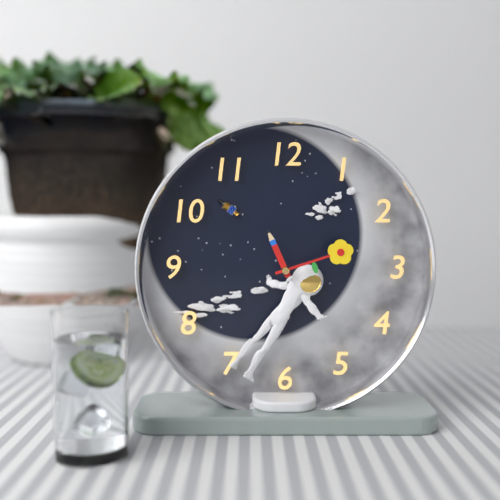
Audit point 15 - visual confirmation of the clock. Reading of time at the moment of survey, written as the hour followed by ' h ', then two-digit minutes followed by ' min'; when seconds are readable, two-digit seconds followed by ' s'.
11 h 12 min
